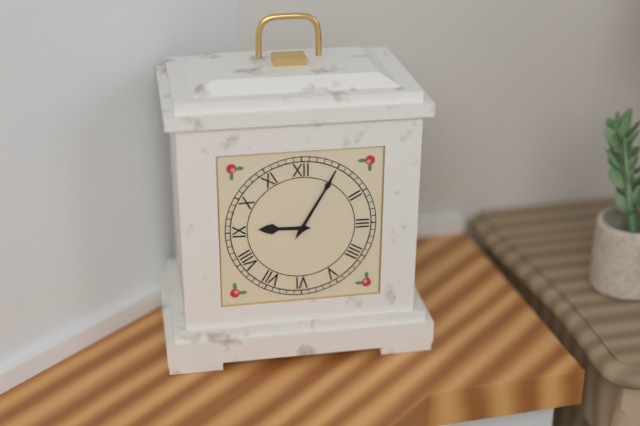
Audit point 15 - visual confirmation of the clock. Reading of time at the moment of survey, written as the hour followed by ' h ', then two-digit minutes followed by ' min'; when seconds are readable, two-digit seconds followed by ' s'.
9 h 05 min
